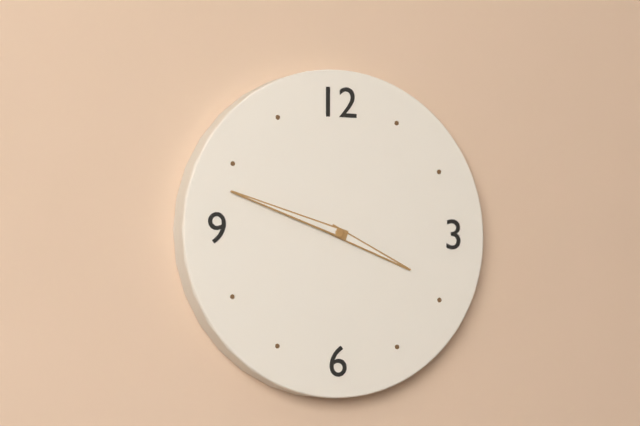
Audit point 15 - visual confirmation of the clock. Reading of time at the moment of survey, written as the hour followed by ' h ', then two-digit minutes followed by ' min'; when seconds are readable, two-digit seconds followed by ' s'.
3 h 48 min
